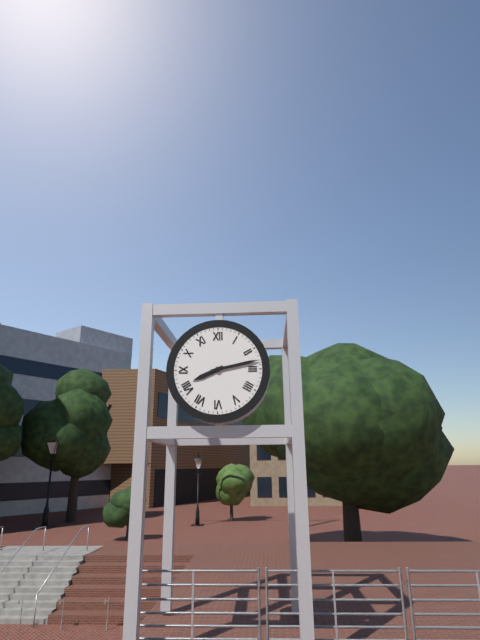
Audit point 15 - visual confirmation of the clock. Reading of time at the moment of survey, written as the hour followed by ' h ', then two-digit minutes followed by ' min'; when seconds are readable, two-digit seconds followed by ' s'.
8 h 13 min
